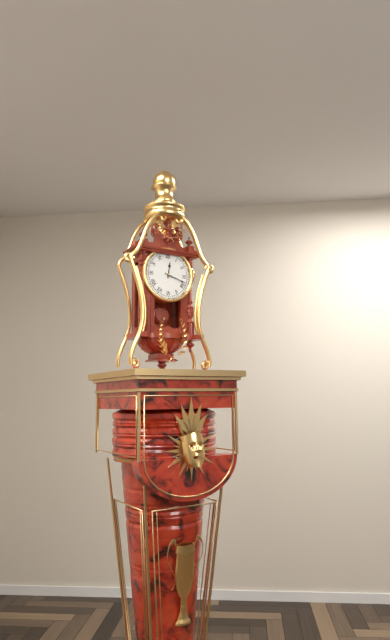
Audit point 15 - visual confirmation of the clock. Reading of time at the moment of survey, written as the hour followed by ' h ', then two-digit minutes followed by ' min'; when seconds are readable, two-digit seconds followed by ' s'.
12 h 18 min
